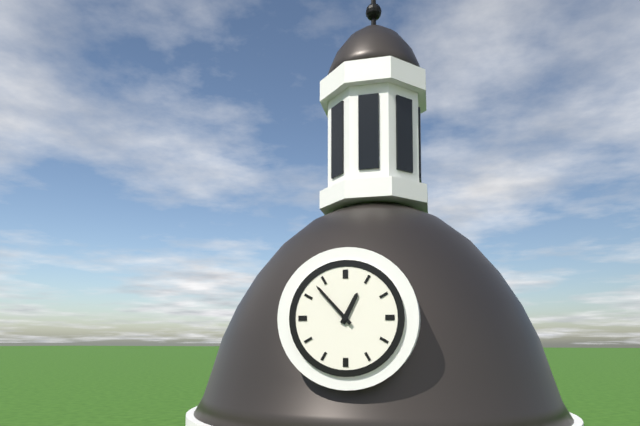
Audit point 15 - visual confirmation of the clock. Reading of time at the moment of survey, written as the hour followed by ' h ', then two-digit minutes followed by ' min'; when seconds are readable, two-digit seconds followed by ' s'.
12 h 53 min
